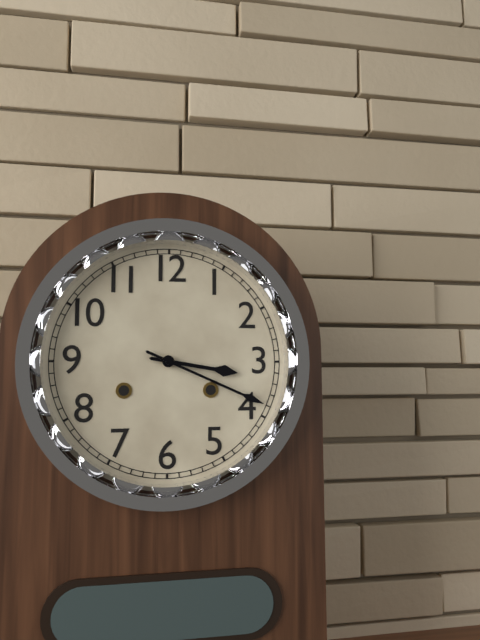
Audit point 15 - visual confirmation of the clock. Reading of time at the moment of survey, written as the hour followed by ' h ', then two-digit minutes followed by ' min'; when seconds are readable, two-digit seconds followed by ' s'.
3 h 19 min
